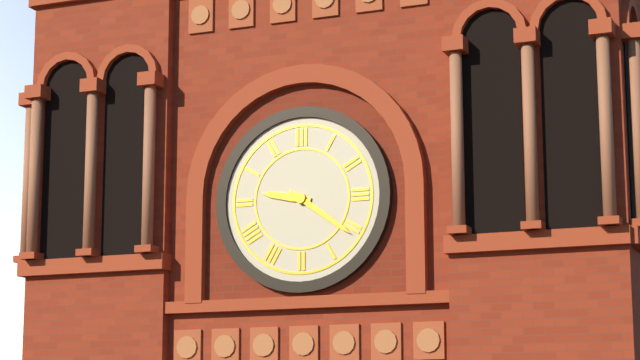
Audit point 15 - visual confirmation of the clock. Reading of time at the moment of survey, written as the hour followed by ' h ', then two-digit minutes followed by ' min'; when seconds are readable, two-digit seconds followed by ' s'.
9 h 21 min
